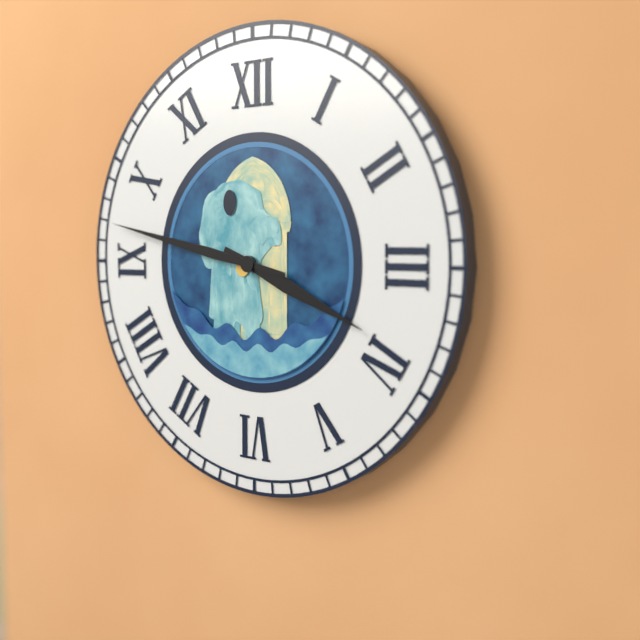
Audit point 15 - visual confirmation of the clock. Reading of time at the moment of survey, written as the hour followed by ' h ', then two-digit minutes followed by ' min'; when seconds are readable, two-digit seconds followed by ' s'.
3 h 47 min
